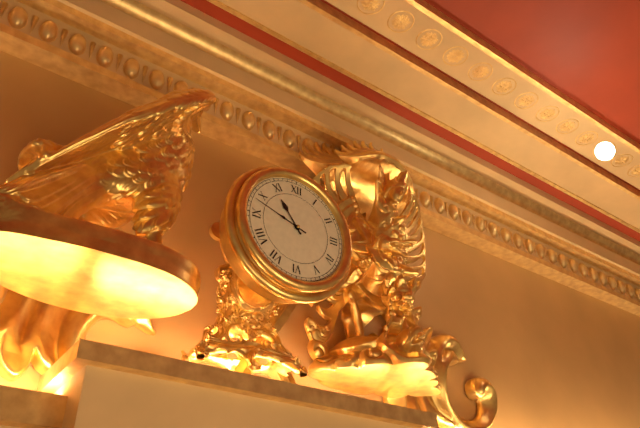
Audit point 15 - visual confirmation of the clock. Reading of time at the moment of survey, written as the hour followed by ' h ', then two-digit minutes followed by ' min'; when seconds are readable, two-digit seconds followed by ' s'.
10 h 48 min
